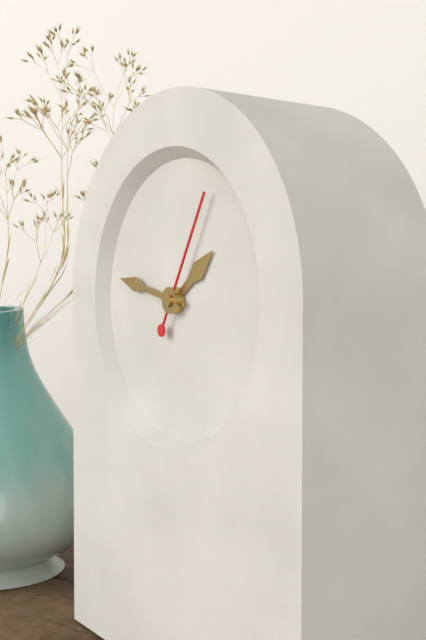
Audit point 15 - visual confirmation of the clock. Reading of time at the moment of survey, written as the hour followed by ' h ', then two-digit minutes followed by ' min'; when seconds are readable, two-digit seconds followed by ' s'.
1 h 47 min 05 s
